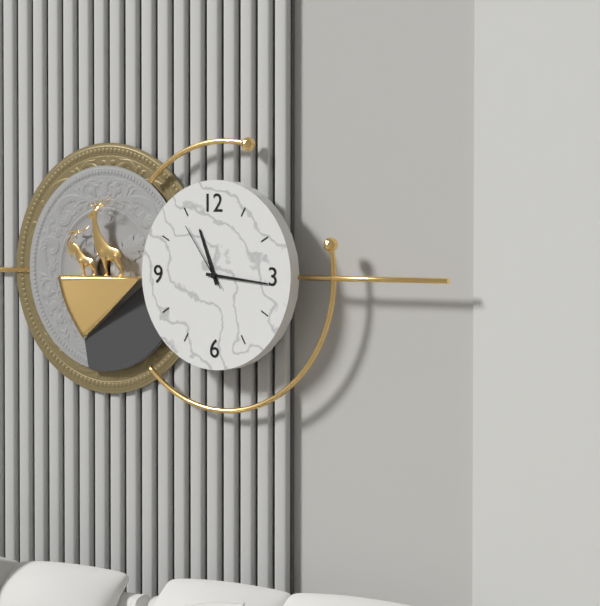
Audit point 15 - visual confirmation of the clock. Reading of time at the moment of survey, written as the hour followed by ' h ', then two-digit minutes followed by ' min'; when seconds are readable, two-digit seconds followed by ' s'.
11 h 16 min 54 s
